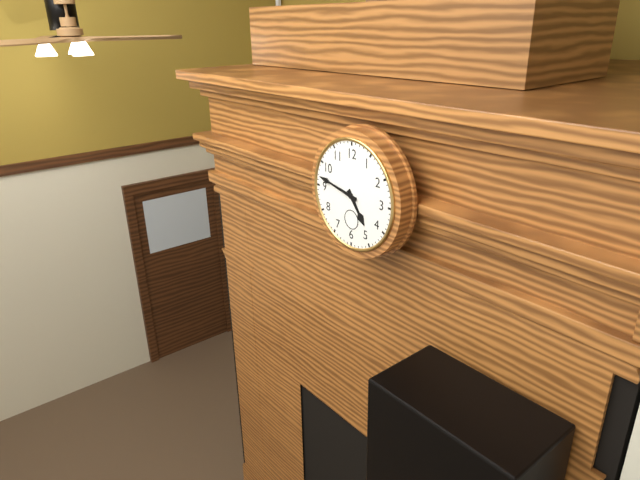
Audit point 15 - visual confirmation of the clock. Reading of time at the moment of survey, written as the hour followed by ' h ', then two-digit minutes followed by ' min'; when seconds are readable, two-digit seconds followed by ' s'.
4 h 47 min
